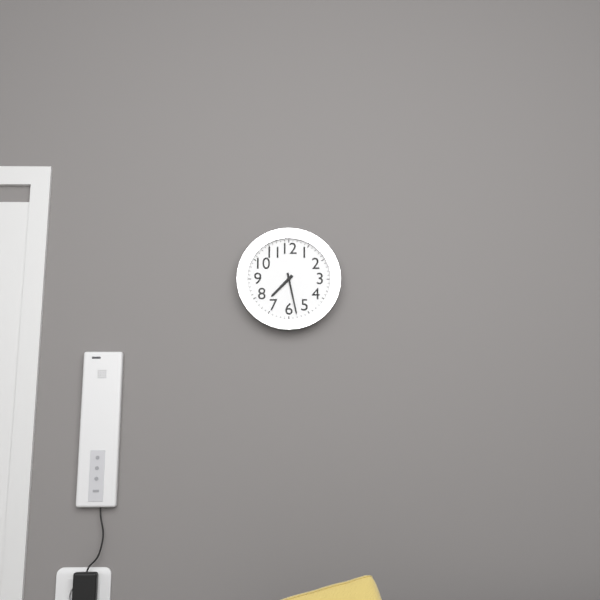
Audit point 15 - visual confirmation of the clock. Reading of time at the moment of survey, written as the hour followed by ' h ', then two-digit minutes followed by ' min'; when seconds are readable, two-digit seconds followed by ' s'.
7 h 28 min
